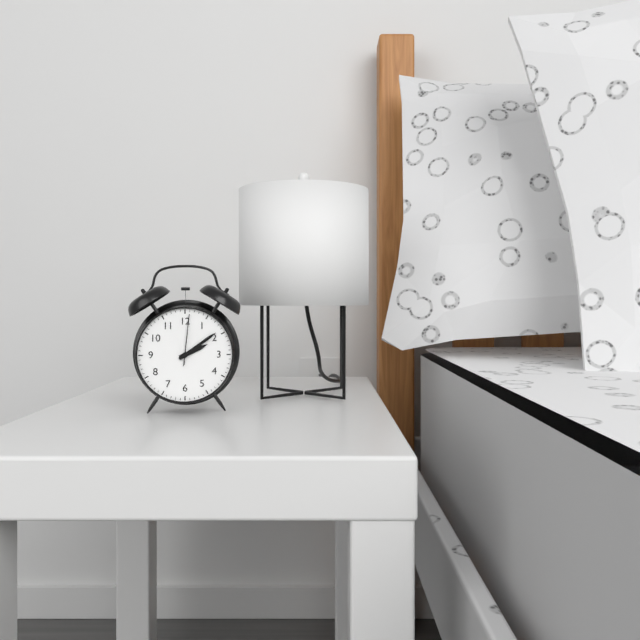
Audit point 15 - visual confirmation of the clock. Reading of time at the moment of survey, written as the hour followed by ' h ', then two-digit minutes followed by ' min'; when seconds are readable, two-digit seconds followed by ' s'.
2 h 09 min 01 s
